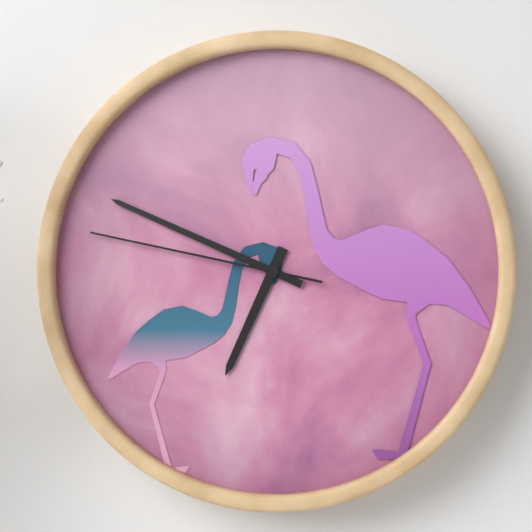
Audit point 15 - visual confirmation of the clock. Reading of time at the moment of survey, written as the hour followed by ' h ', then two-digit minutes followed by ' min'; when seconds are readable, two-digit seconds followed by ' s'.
6 h 49 min 47 s
